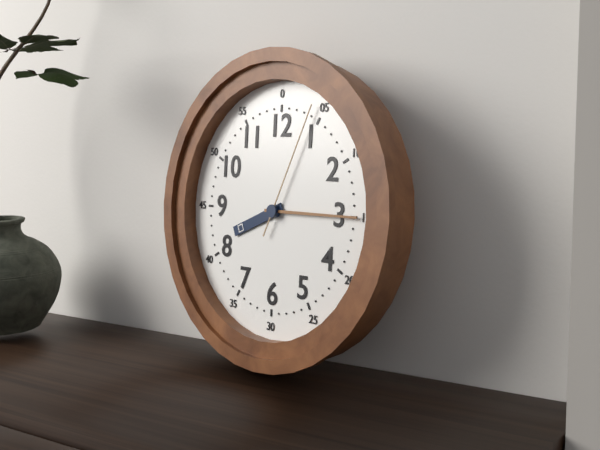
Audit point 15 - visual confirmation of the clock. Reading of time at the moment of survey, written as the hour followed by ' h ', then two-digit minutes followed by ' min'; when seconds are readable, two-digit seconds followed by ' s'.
8 h 15 min 04 s
